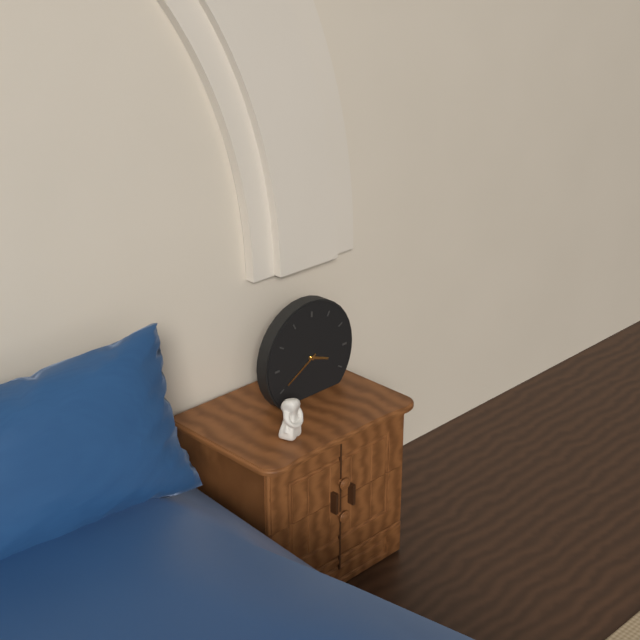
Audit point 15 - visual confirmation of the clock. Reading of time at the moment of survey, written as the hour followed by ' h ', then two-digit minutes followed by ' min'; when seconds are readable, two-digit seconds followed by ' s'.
3 h 40 min
